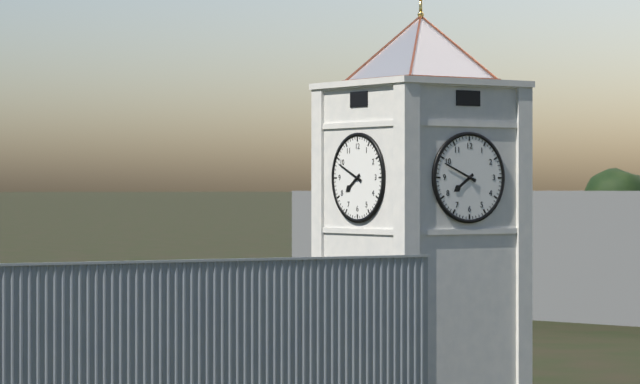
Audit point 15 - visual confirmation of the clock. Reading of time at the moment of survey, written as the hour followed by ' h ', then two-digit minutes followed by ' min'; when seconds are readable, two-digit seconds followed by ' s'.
7 h 49 min
